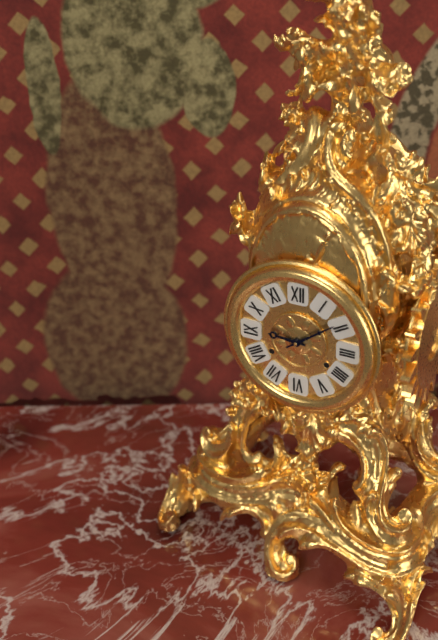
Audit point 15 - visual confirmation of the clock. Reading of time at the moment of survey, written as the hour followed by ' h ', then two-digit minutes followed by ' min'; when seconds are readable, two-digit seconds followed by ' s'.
9 h 09 min
